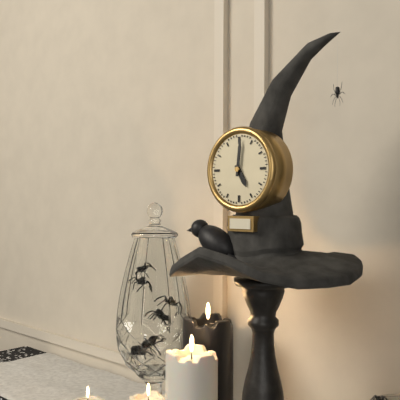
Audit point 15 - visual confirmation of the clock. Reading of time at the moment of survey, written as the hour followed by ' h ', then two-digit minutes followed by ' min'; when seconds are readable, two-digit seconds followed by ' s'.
5 h 01 min
